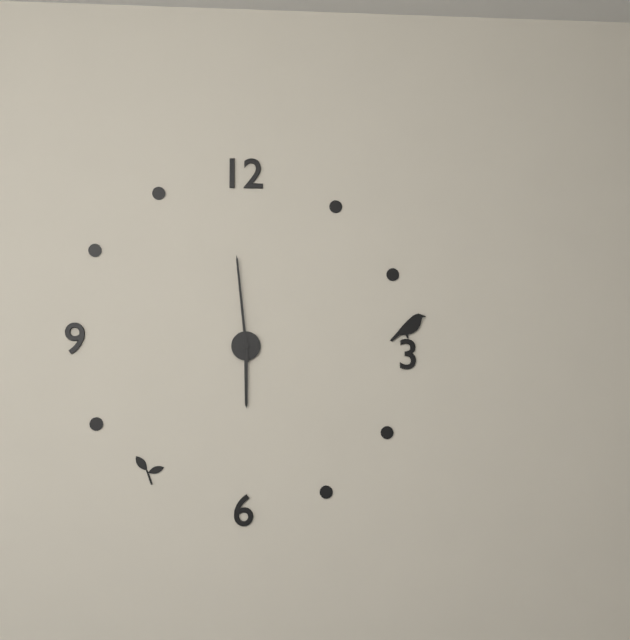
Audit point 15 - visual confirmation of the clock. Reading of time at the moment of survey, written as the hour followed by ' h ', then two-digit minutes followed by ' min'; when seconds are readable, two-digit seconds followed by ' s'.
5 h 59 min
